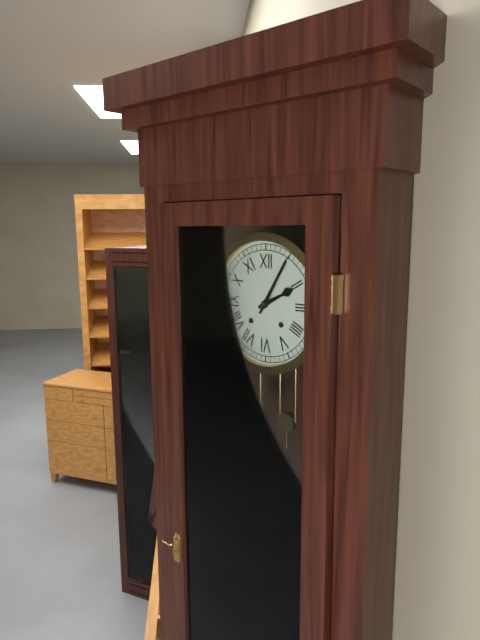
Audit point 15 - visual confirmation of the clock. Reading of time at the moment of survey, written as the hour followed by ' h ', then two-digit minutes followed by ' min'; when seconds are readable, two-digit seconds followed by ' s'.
2 h 05 min
